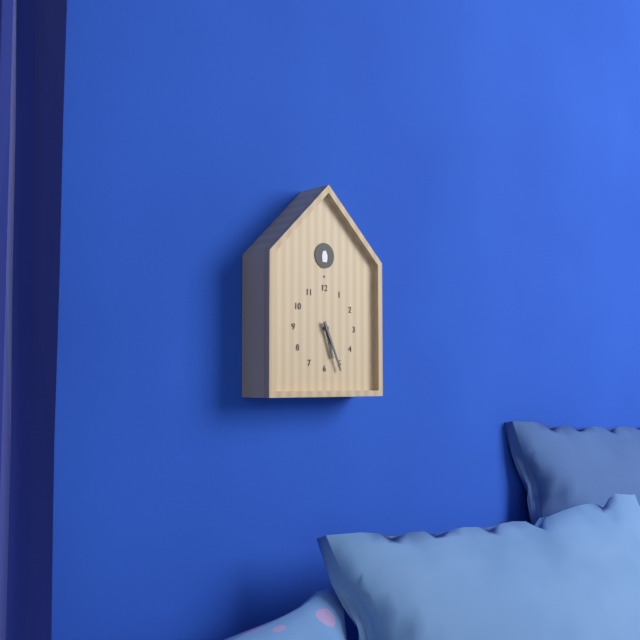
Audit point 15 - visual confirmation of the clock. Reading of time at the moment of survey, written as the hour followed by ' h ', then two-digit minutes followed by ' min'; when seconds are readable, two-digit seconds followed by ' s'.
5 h 26 min
